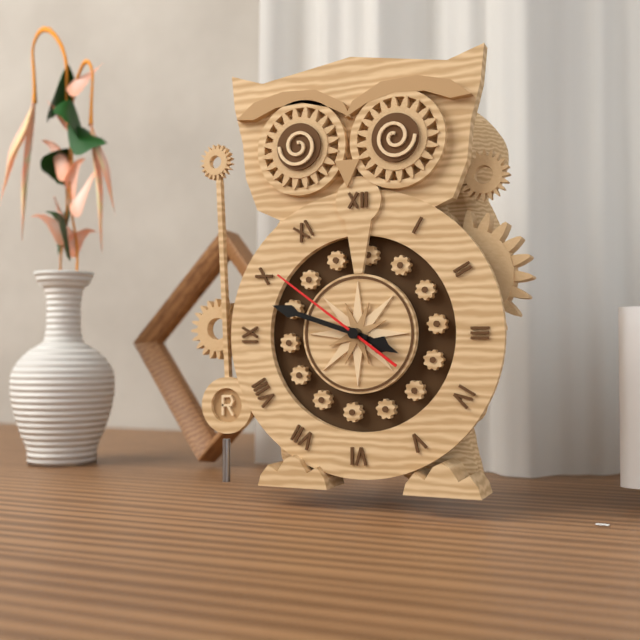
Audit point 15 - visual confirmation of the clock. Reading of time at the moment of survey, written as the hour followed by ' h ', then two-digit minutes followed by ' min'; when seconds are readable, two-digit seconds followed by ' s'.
3 h 48 min 51 s
